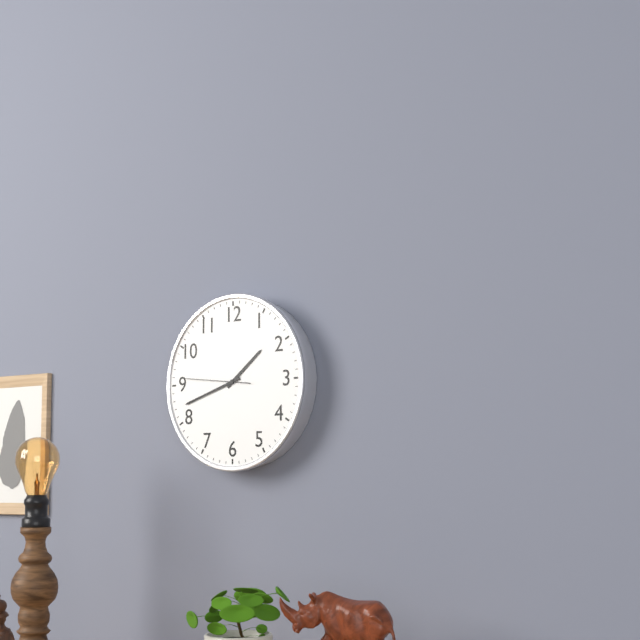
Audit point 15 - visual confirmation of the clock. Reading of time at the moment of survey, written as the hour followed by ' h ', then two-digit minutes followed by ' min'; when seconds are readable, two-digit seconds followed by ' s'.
1 h 42 min 46 s
